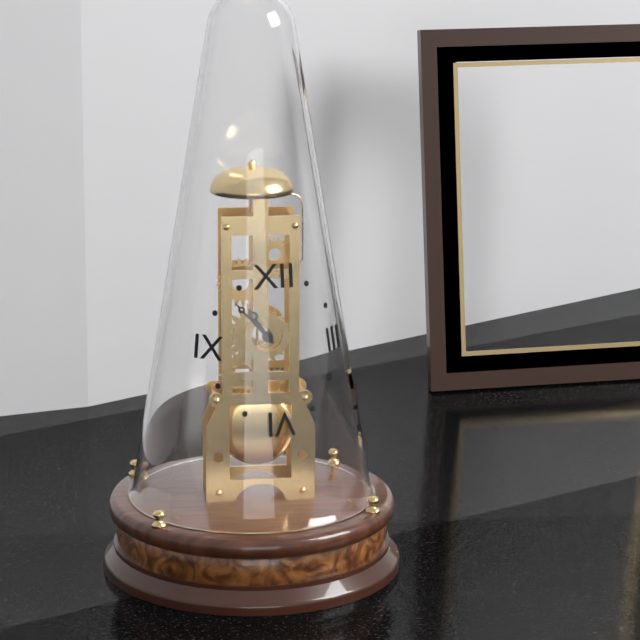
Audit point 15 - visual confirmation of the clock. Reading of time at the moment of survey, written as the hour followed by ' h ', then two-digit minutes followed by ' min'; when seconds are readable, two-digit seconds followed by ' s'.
10 h 53 min
